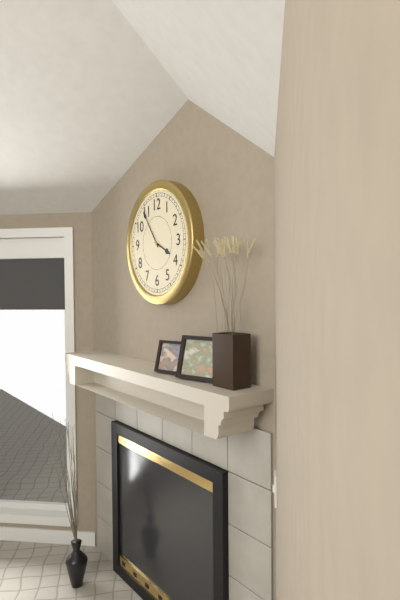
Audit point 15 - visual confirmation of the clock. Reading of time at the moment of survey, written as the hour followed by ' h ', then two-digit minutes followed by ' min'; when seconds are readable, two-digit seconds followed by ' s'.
3 h 54 min
